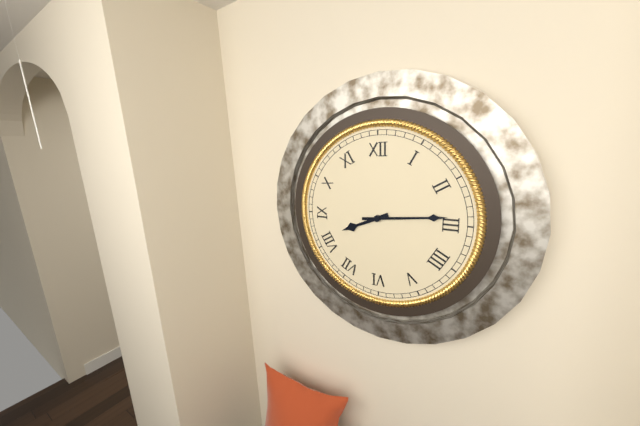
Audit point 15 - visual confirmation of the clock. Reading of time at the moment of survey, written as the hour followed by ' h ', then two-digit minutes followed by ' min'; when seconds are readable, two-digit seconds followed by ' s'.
8 h 14 min
